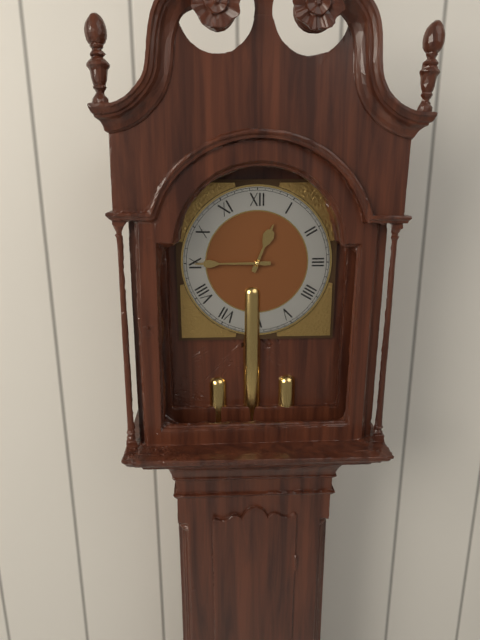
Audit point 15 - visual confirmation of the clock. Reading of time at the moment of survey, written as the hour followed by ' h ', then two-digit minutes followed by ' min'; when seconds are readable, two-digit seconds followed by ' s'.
12 h 45 min
